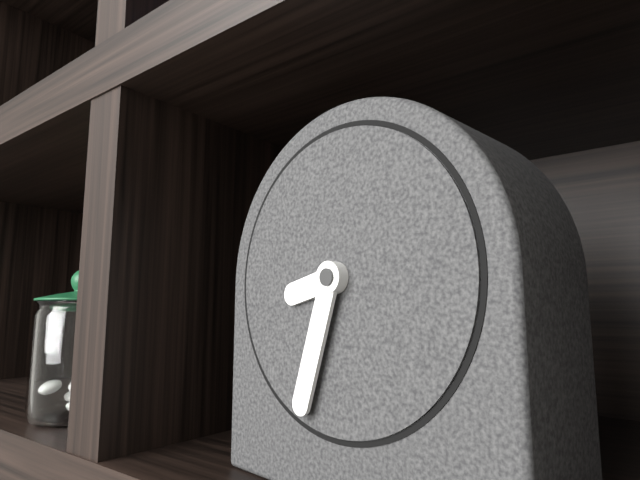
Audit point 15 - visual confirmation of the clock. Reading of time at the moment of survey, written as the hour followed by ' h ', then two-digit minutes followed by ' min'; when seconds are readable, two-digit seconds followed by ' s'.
8 h 33 min
